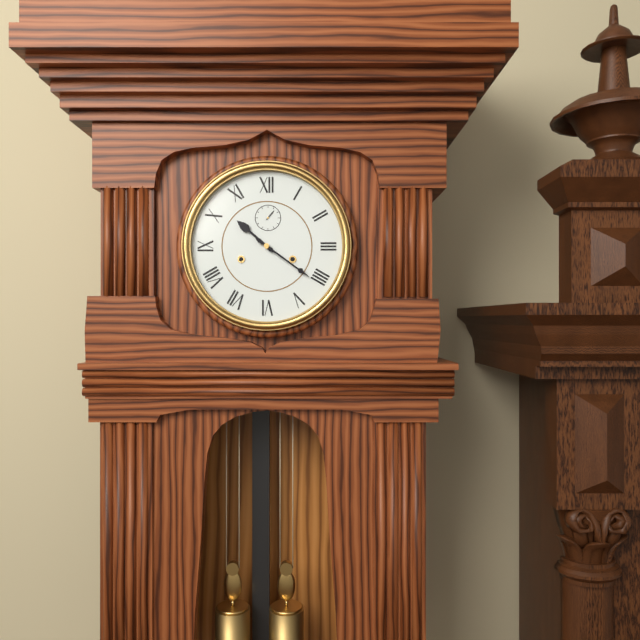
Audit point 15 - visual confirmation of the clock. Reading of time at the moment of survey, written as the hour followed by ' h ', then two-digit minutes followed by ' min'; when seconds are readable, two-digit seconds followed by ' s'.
10 h 21 min
